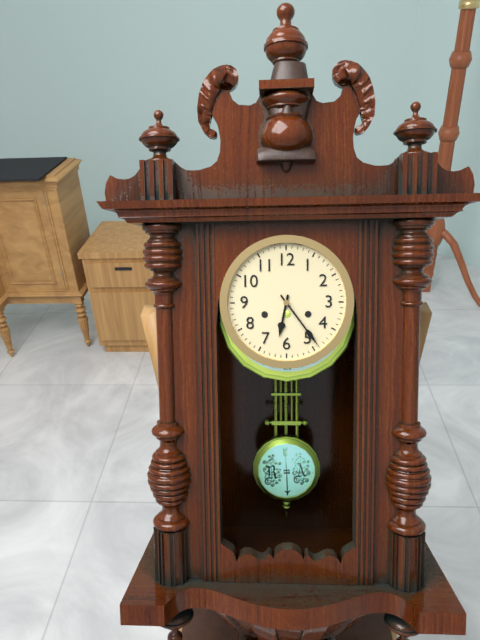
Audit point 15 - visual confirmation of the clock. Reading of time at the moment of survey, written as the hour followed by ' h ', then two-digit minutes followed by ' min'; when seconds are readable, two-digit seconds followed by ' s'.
6 h 24 min
